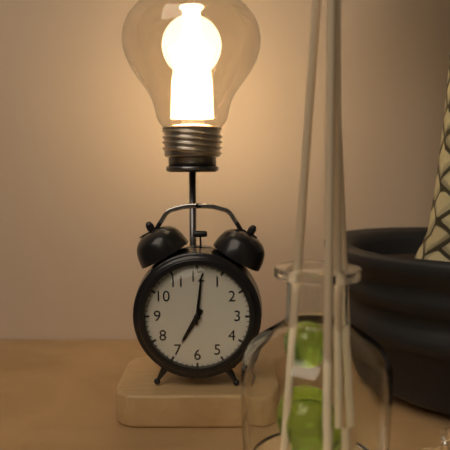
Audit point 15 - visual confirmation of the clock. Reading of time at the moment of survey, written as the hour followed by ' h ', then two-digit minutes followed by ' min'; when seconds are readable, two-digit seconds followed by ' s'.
7 h 01 min
